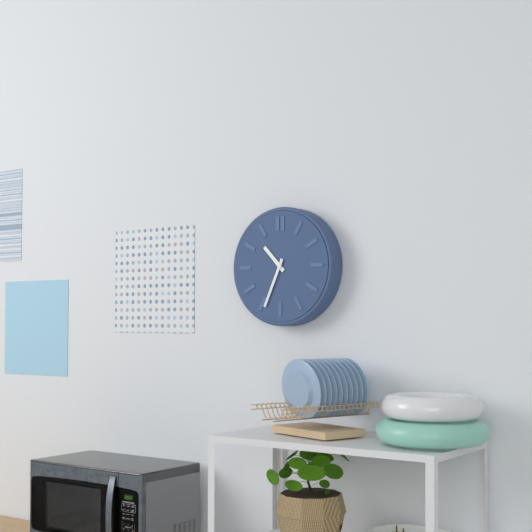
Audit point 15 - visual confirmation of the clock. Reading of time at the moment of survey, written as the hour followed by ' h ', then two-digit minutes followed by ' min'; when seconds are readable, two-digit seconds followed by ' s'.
10 h 34 min
